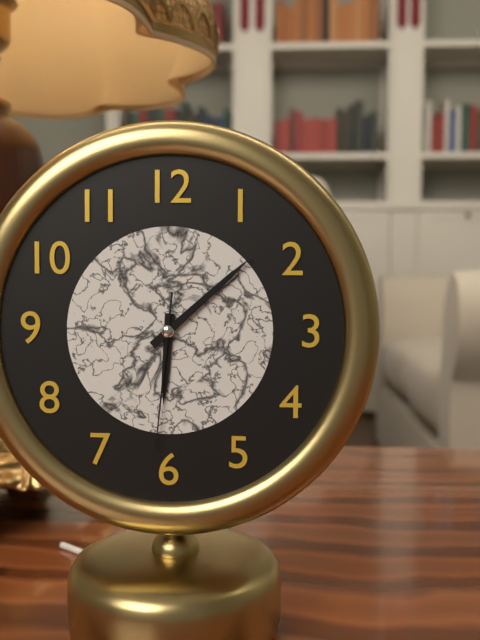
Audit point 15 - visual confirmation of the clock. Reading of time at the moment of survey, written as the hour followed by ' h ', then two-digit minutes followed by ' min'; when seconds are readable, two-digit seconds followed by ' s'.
6 h 08 min 31 s
